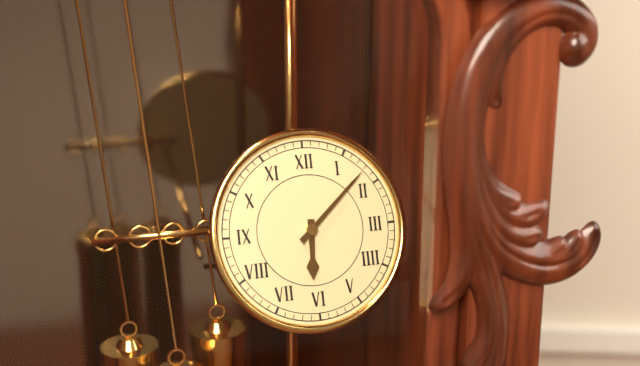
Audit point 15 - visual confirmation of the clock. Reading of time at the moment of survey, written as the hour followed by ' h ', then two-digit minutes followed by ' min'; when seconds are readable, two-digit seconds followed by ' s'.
6 h 08 min
